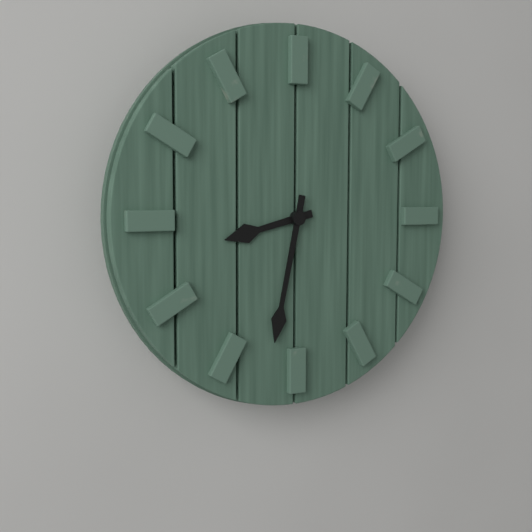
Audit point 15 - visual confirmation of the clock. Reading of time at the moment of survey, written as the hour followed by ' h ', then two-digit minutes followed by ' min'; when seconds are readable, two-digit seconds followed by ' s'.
8 h 32 min
